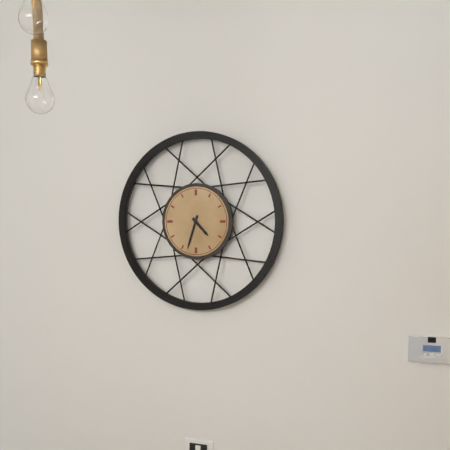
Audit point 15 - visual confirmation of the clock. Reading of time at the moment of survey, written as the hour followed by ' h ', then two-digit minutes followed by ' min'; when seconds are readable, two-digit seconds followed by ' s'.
4 h 33 min
